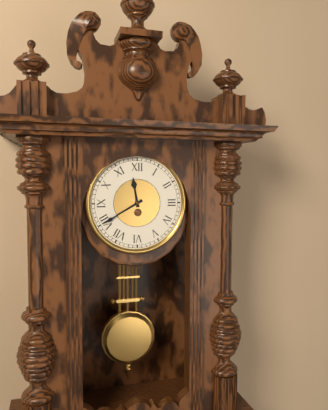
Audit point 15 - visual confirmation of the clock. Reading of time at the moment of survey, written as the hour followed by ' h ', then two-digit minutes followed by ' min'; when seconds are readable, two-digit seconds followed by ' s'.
11 h 40 min
